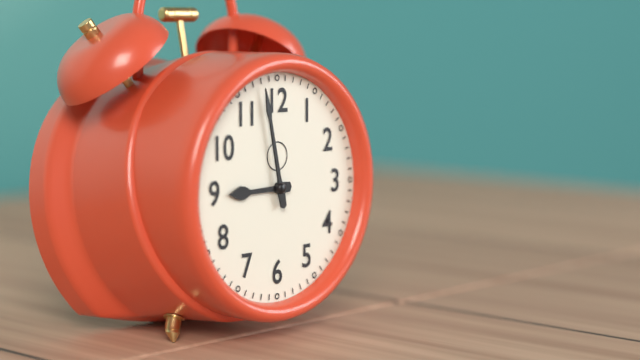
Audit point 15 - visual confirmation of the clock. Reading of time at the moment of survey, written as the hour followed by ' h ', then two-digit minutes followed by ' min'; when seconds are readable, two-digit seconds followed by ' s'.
8 h 58 min
